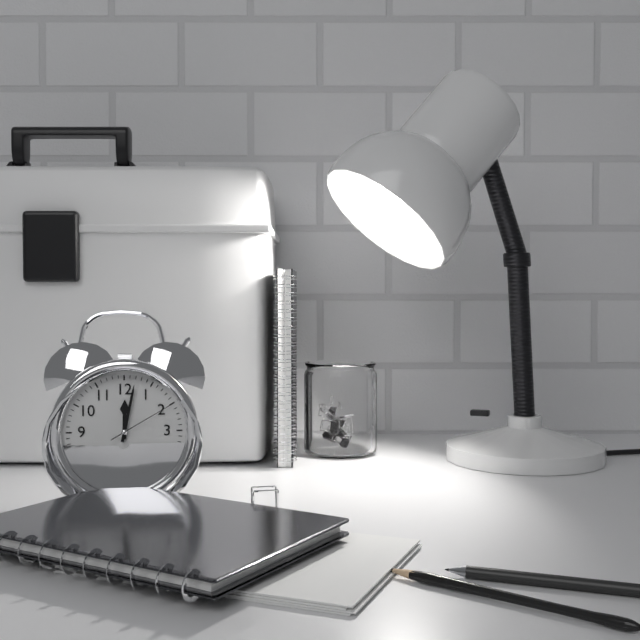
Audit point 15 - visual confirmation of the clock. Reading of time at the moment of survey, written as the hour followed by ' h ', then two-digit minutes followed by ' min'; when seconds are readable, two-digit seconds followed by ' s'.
12 h 02 min 10 s
